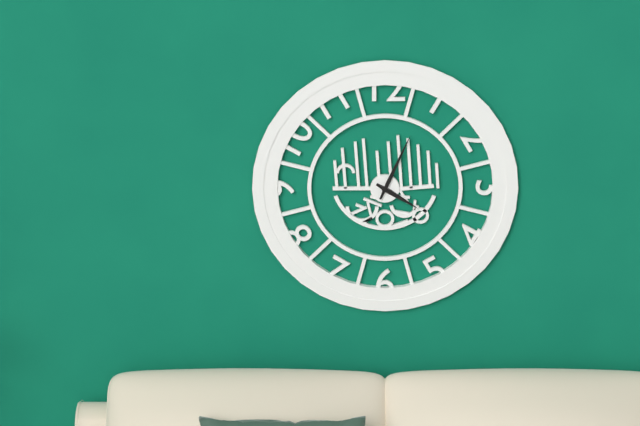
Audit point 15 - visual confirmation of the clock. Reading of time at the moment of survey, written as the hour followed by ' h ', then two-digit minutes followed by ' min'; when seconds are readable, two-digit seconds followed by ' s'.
4 h 04 min
